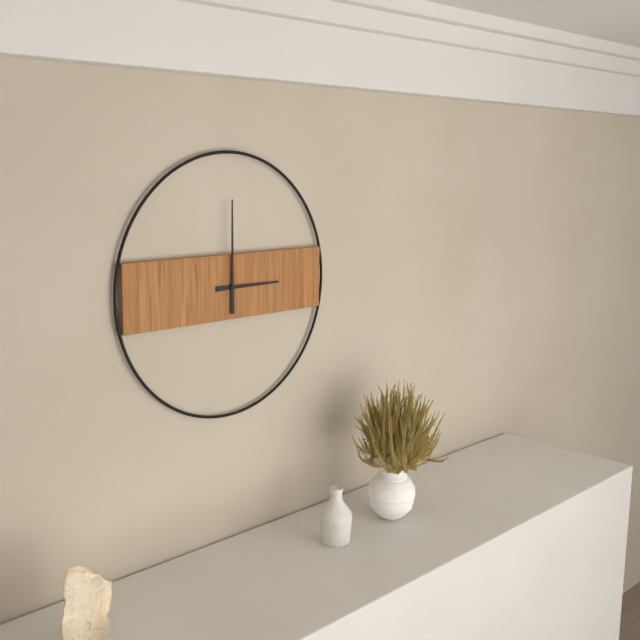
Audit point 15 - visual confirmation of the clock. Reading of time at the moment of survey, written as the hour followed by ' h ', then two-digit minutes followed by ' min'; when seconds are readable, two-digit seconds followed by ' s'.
3 h 00 min
